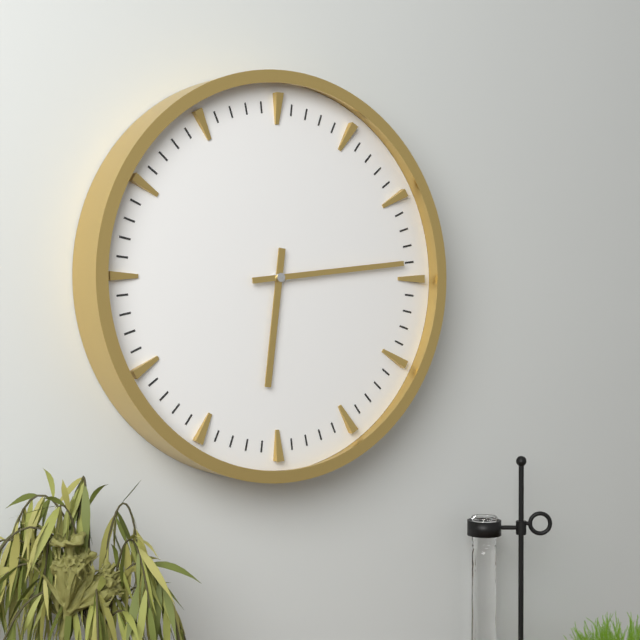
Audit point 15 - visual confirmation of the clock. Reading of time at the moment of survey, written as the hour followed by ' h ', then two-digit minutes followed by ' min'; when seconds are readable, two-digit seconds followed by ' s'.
6 h 14 min
